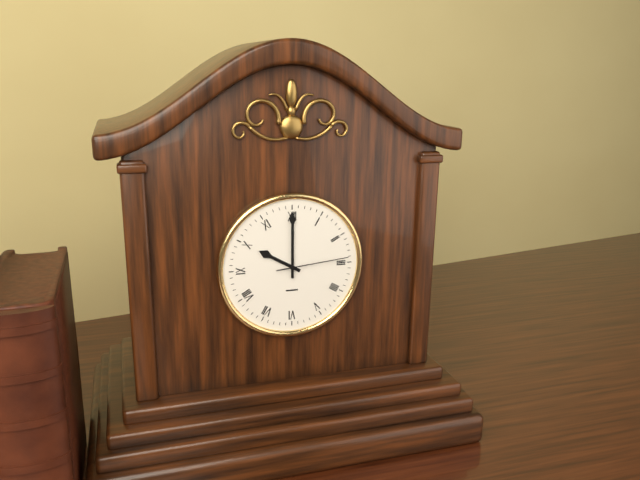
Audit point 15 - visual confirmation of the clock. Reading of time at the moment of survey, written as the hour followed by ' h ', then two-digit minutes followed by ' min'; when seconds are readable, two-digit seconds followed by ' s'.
10 h 00 min 14 s
